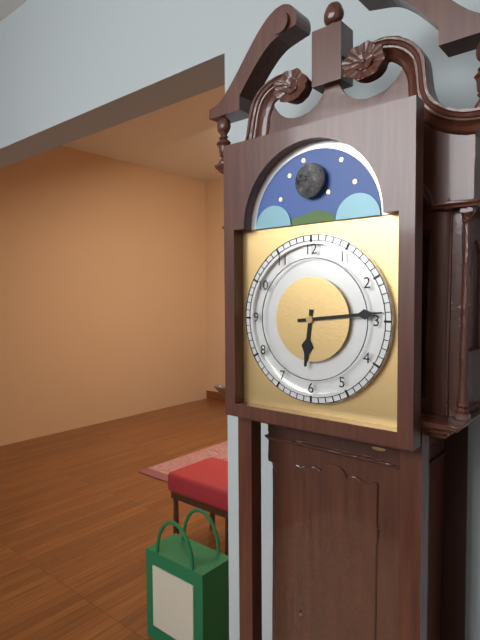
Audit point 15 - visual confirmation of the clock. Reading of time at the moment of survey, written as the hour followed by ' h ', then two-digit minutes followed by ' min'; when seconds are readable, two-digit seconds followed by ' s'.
6 h 14 min
